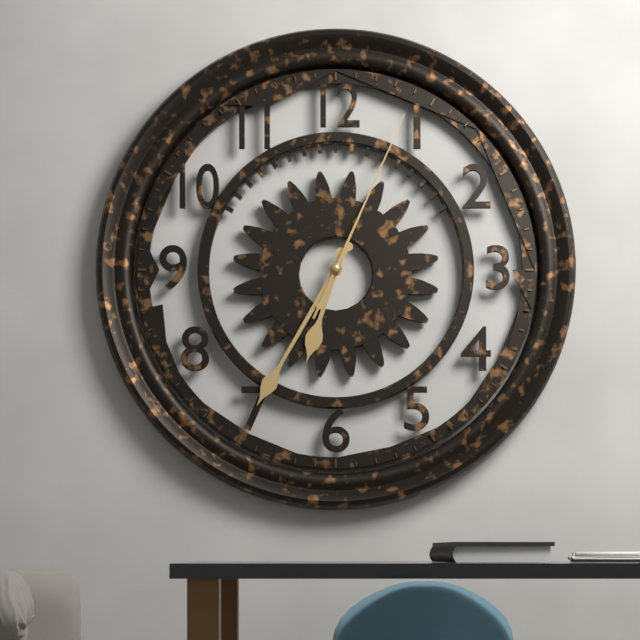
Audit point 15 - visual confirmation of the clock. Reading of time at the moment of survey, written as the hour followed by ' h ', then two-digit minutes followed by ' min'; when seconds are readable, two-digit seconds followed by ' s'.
6 h 35 min 04 s
